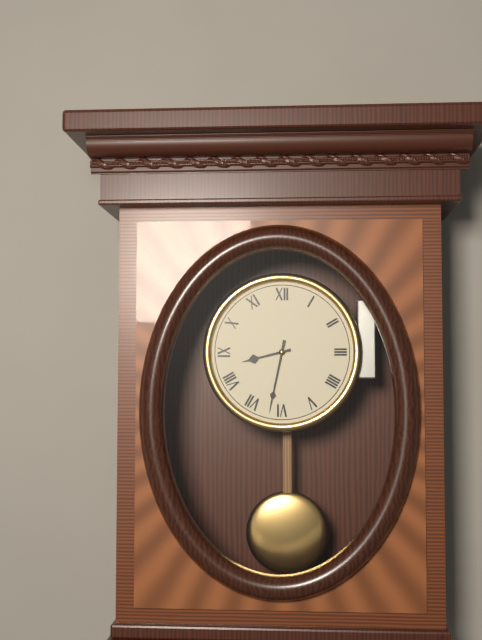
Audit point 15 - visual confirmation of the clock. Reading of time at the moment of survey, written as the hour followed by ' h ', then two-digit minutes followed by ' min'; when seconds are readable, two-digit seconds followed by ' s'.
8 h 32 min
